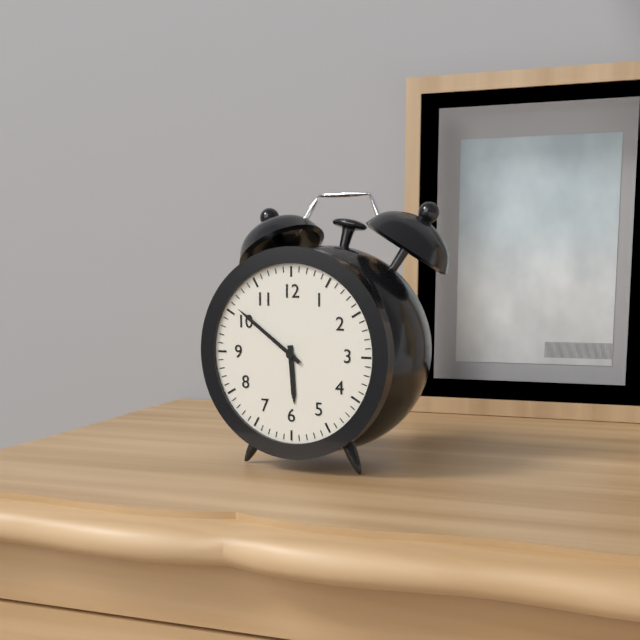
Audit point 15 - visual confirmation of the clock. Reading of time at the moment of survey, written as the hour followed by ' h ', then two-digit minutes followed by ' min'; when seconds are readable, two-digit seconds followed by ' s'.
5 h 51 min
